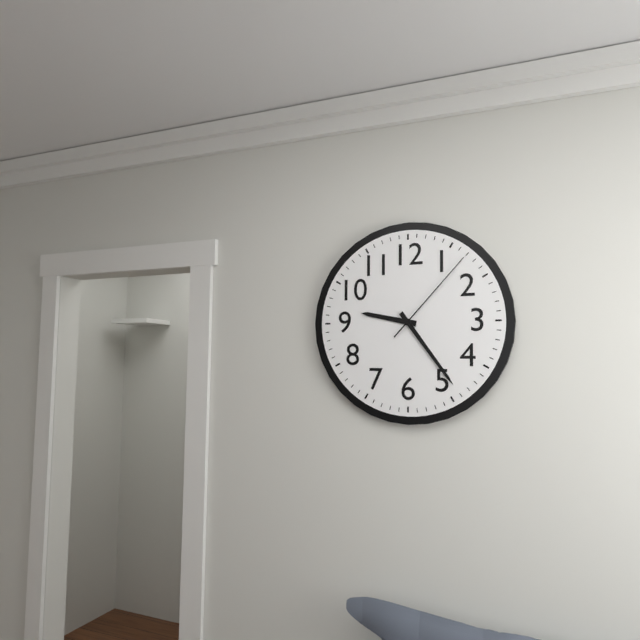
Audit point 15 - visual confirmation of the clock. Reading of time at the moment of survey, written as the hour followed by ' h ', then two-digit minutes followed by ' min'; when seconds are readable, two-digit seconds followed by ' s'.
9 h 24 min 07 s
